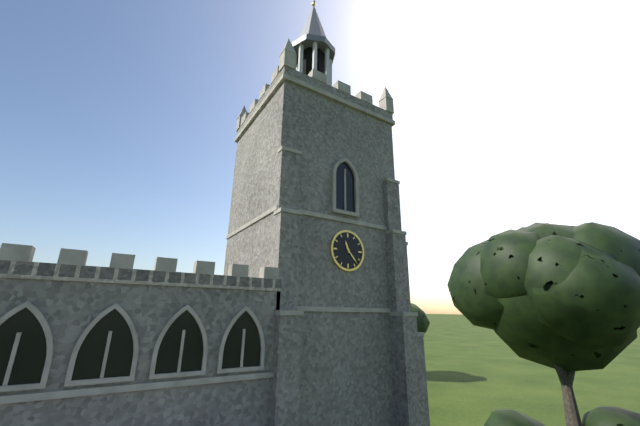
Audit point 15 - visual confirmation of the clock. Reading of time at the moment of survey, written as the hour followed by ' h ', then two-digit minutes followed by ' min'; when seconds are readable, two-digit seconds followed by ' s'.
11 h 23 min
